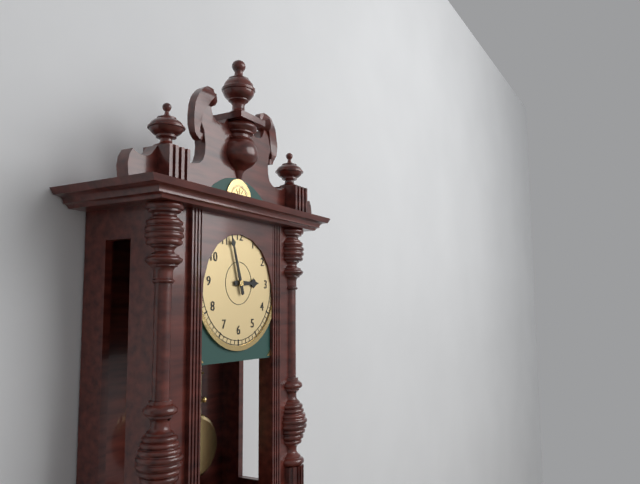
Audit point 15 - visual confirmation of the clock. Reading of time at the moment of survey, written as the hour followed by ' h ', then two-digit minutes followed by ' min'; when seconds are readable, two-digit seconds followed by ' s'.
2 h 57 min
